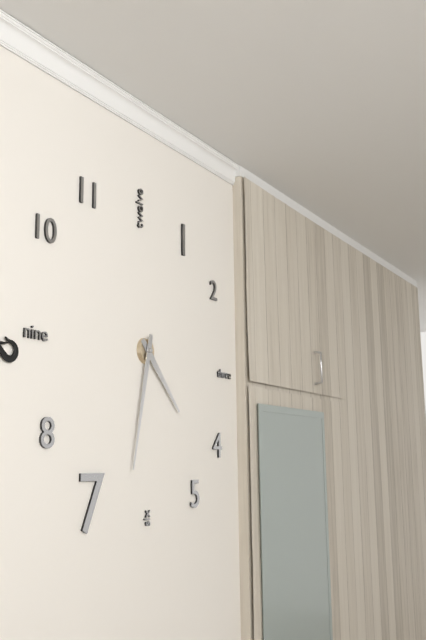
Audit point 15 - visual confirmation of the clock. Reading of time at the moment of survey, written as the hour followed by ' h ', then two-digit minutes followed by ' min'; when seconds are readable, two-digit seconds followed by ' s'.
4 h 32 min
